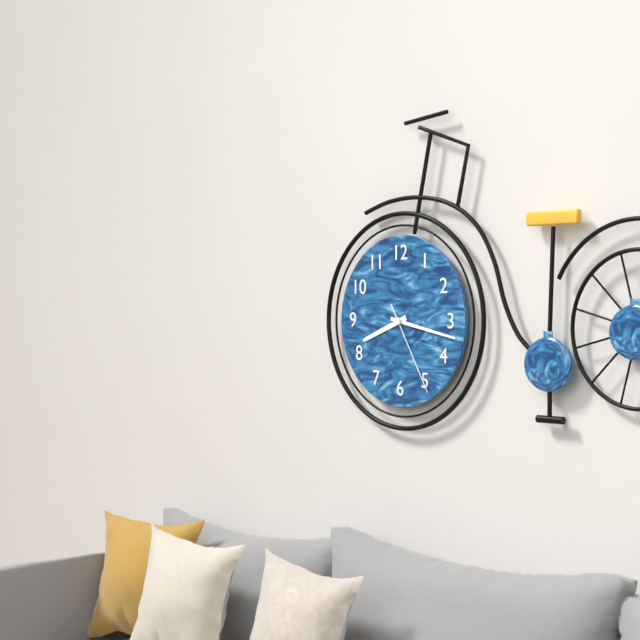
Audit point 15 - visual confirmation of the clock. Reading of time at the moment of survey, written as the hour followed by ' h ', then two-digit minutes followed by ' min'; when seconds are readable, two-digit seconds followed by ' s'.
8 h 17 min 25 s
